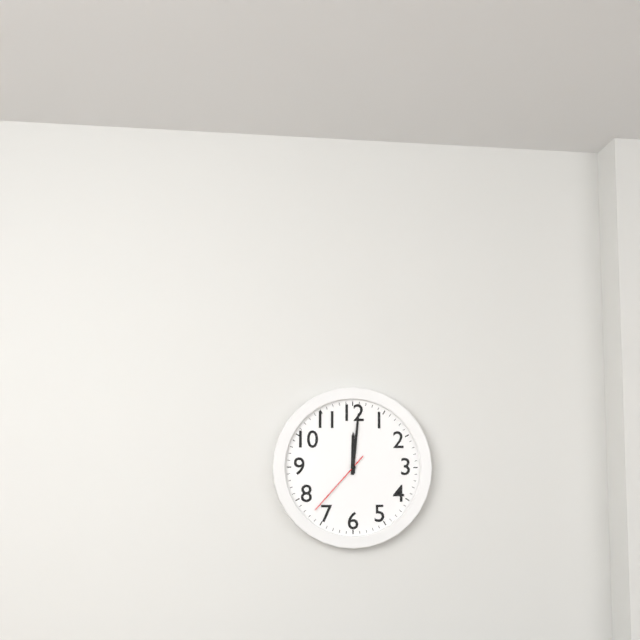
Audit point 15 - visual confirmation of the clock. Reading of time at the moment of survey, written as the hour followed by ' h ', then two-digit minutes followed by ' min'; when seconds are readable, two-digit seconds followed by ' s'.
12 h 01 min 37 s
